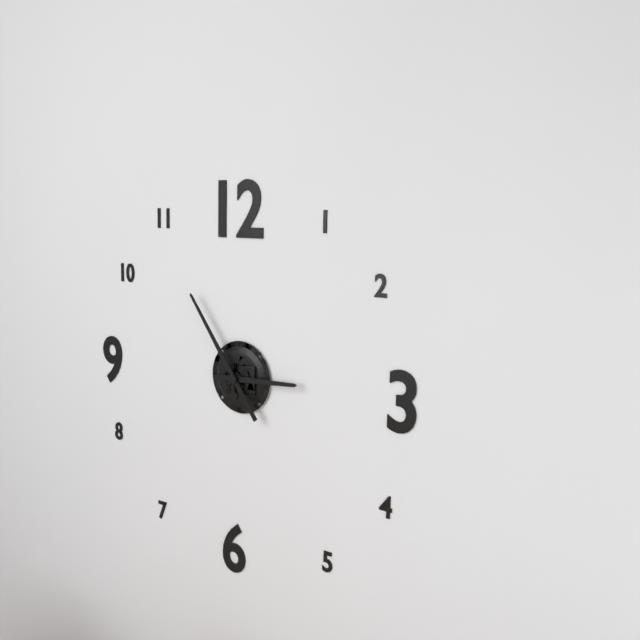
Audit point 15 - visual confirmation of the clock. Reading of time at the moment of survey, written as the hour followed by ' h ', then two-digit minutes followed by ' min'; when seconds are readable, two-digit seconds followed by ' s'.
2 h 54 min
